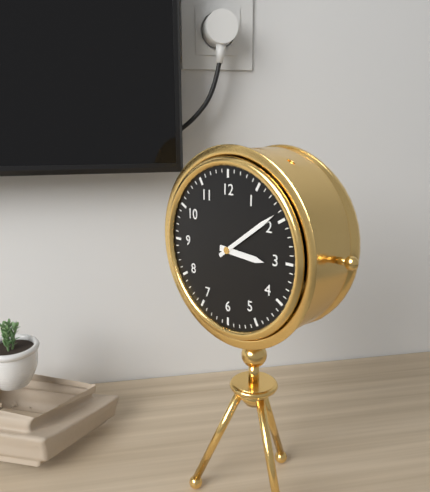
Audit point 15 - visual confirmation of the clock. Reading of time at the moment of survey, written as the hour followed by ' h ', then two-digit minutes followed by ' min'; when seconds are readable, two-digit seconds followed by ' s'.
3 h 09 min
